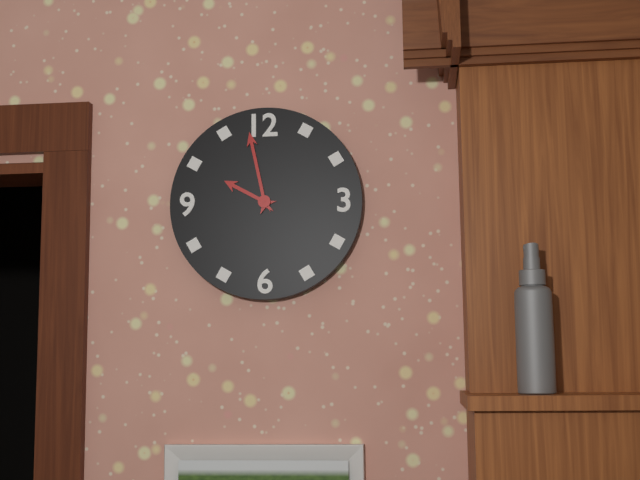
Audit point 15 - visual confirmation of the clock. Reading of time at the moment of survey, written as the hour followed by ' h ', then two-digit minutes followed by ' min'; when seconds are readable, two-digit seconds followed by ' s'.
9 h 58 min
